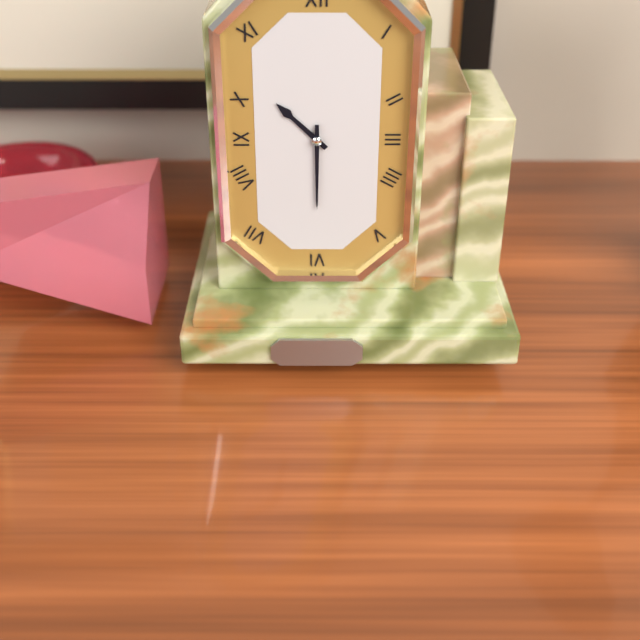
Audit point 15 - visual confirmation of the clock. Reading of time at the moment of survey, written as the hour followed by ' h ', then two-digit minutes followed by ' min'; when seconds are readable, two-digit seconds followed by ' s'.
10 h 30 min
